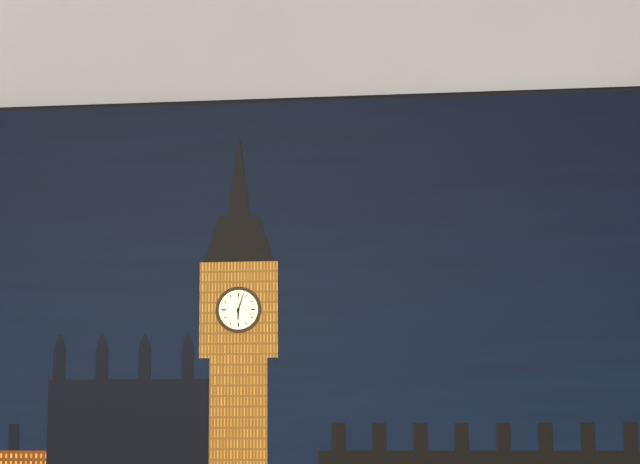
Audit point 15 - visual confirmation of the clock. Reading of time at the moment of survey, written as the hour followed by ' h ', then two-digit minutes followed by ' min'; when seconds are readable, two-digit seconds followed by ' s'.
6 h 03 min
